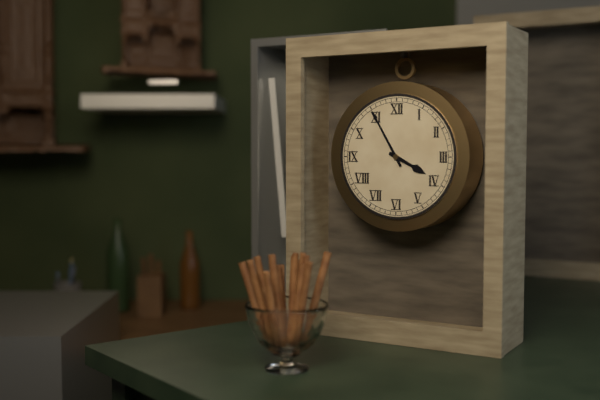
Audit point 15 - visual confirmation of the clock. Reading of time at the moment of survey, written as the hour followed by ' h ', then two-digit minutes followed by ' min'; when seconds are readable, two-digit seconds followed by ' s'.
3 h 55 min
